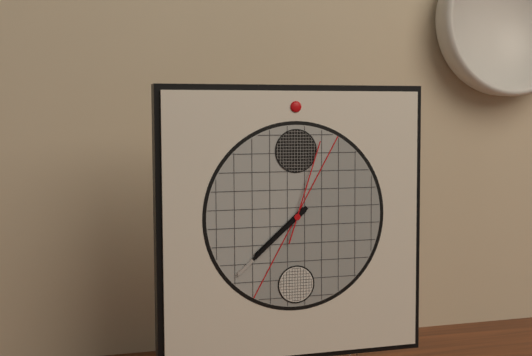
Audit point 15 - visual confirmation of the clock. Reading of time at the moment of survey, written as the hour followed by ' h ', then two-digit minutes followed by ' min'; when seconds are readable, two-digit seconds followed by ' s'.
7 h 38 min 03 s
